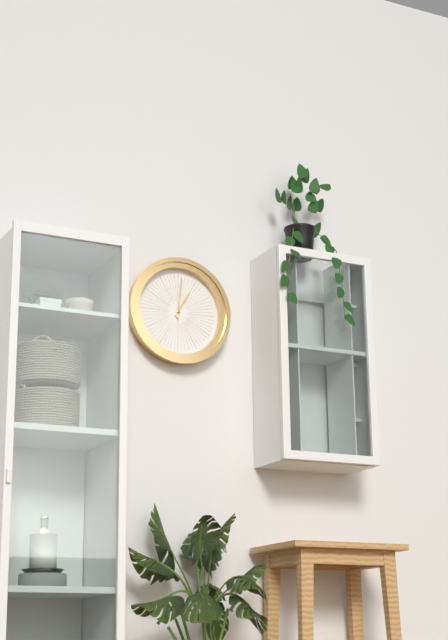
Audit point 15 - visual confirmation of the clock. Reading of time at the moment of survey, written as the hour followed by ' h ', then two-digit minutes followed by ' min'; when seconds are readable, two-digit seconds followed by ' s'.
1 h 01 min
